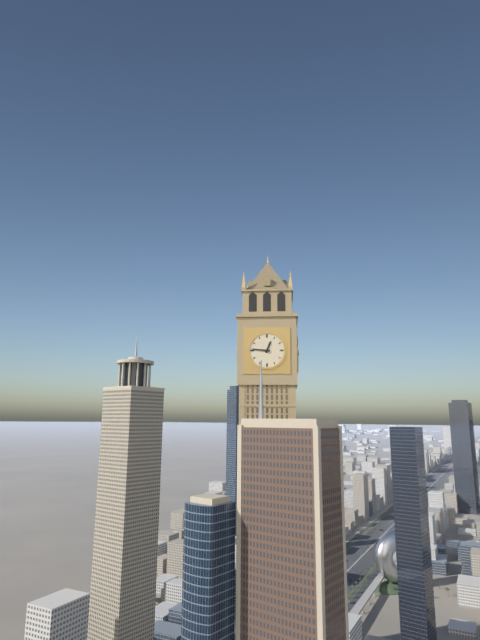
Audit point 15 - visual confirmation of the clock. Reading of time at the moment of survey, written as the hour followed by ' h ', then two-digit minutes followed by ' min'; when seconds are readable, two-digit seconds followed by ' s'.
12 h 46 min
